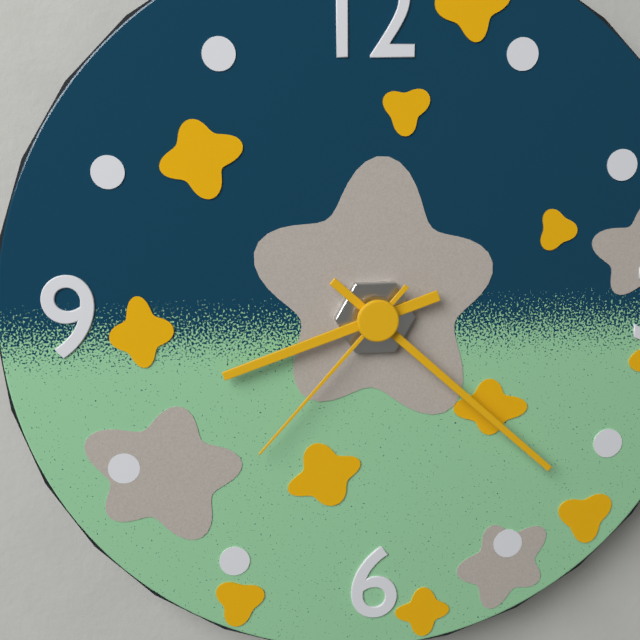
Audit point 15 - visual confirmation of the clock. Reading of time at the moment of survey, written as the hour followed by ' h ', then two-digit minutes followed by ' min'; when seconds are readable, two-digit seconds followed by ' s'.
8 h 22 min 37 s
